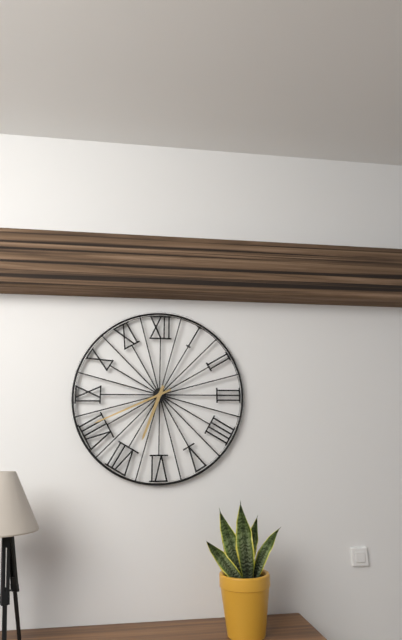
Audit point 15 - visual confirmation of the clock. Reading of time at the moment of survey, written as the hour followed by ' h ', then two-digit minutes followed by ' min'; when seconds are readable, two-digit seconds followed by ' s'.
6 h 41 min
